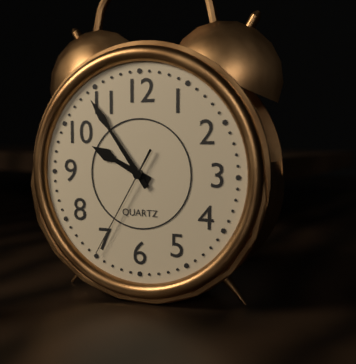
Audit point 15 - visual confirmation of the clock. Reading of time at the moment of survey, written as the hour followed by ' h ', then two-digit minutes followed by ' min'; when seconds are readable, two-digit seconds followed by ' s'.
9 h 54 min 35 s
